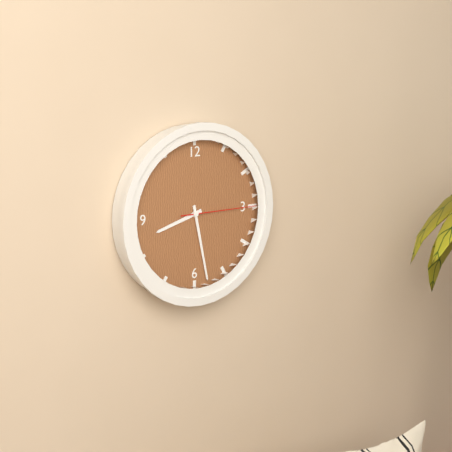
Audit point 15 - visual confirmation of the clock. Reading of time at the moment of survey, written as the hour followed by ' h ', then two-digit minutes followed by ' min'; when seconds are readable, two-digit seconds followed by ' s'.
8 h 28 min 15 s
